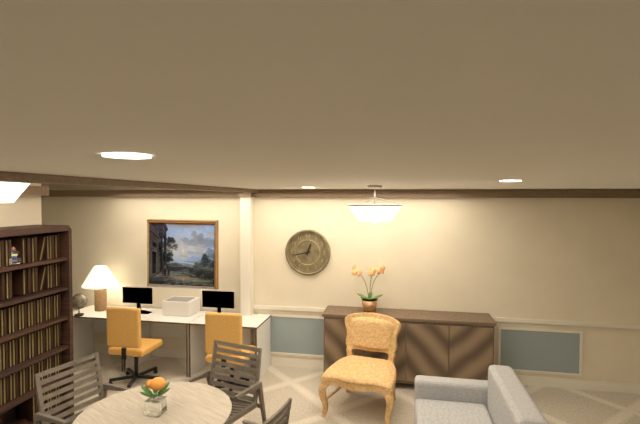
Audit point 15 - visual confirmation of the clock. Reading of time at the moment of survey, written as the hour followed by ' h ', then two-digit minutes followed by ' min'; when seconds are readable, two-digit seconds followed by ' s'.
12 h 43 min
